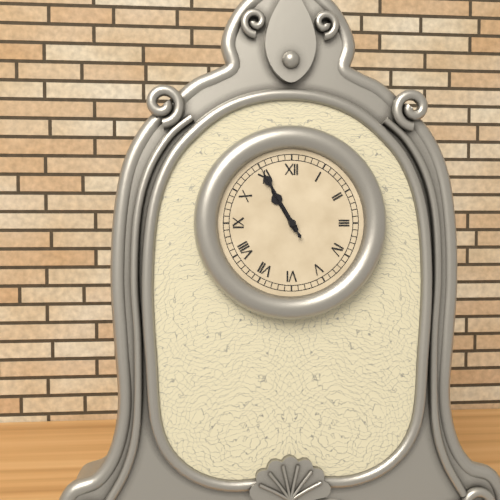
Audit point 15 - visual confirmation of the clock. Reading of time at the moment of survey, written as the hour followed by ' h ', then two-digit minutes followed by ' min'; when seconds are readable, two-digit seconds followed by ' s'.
10 h 55 min 55 s
